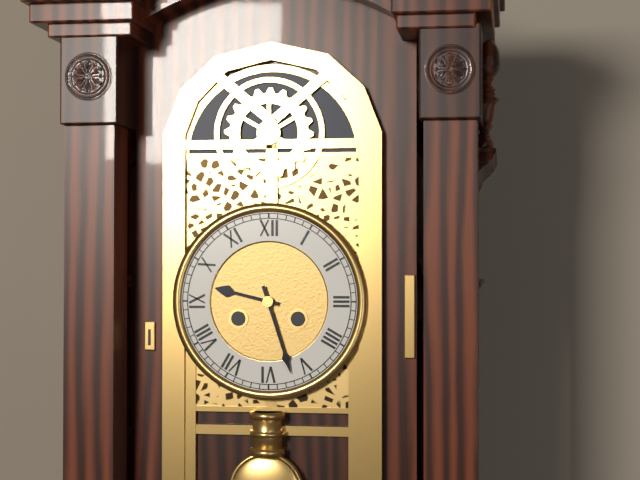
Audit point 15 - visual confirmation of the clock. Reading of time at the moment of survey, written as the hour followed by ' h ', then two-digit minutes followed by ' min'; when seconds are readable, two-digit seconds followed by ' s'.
9 h 27 min
